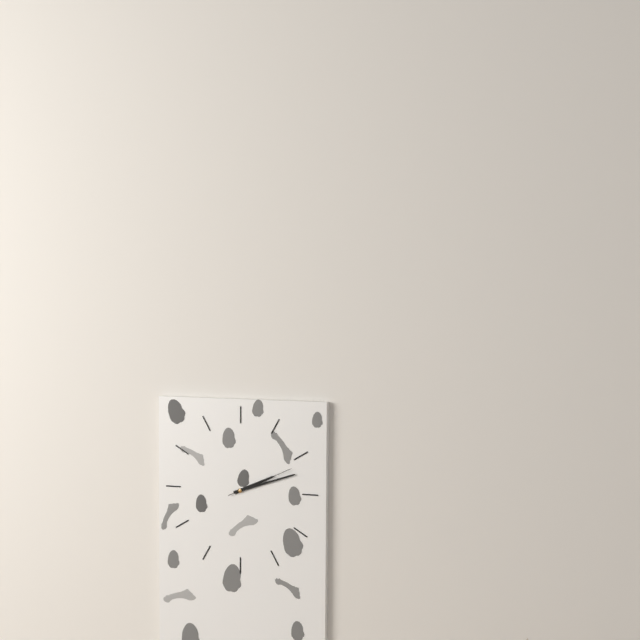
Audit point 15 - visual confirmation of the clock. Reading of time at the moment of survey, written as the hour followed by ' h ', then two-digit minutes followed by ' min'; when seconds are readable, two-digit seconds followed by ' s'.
2 h 12 min 11 s
